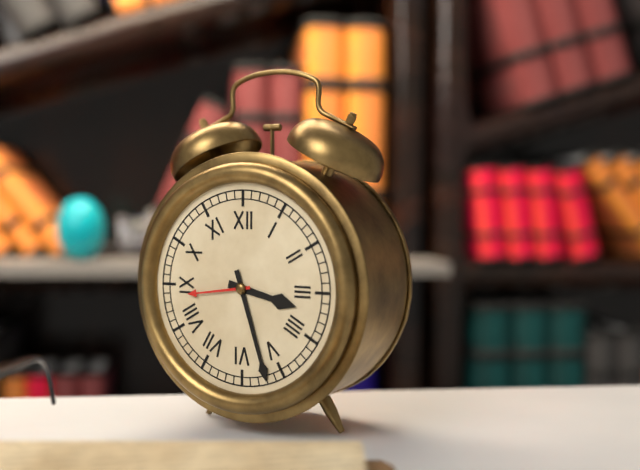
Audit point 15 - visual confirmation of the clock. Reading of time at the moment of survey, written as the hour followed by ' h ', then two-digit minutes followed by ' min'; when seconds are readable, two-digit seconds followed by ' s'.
3 h 27 min
